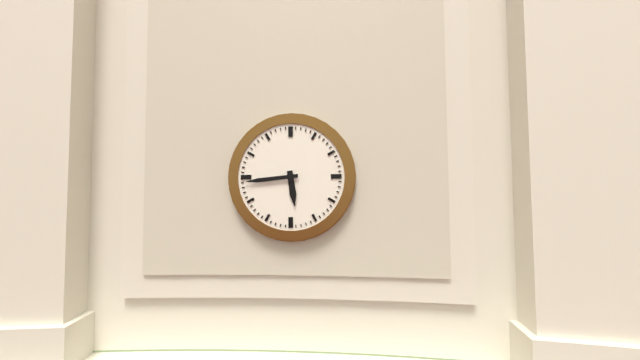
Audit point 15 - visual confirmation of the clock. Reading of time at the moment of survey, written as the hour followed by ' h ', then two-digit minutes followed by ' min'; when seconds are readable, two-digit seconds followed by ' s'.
5 h 44 min
